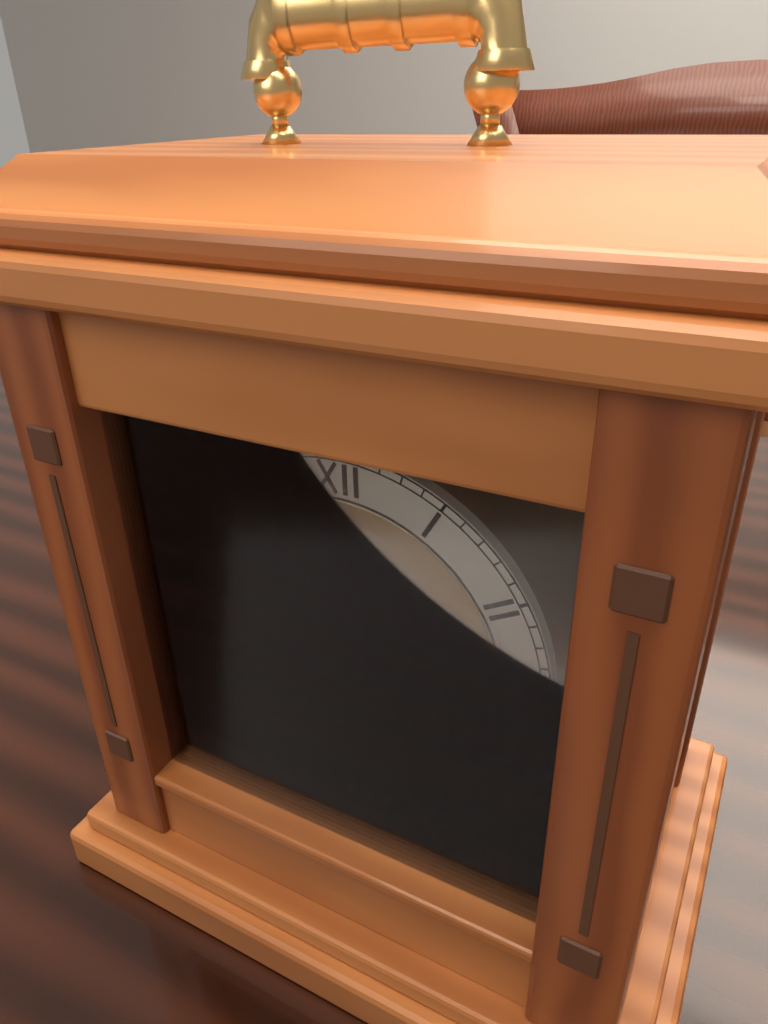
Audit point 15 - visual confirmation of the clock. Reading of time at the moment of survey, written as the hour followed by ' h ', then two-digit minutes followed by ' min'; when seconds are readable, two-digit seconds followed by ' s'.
5 h 31 min
